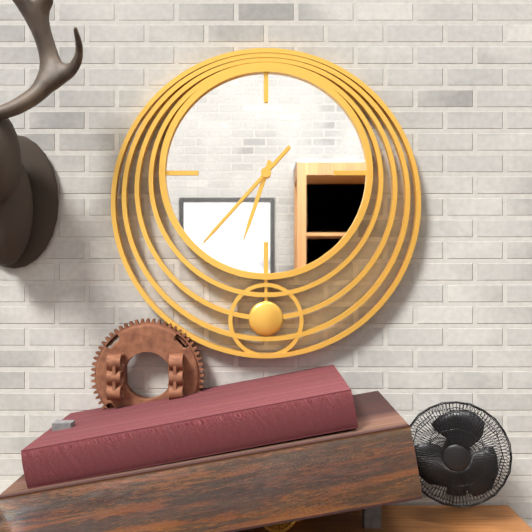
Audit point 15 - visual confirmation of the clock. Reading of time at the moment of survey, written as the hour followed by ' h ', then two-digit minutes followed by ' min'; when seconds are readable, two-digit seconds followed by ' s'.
6 h 37 min
